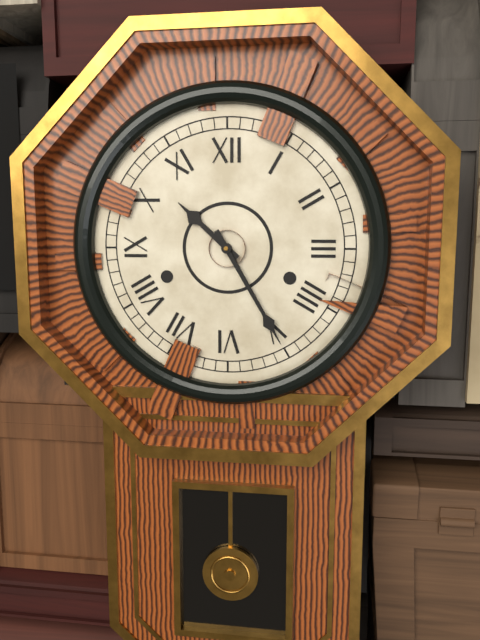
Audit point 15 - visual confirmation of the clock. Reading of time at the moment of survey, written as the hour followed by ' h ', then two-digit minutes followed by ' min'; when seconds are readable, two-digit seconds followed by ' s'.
10 h 25 min
